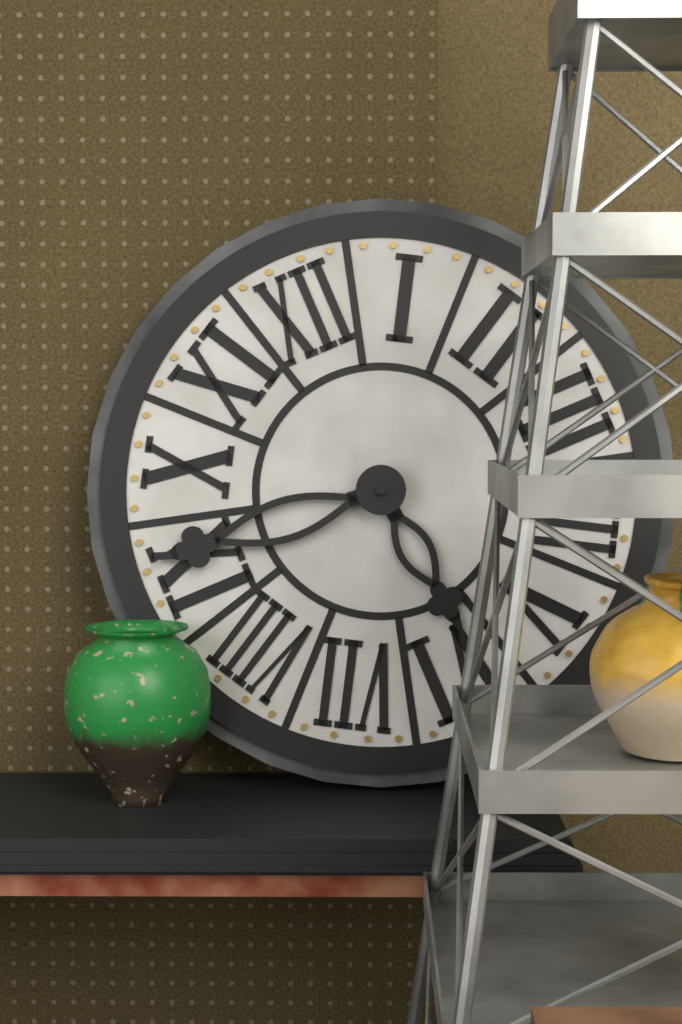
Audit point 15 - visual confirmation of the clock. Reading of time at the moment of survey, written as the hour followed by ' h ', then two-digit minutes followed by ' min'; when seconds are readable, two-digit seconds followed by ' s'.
5 h 46 min
